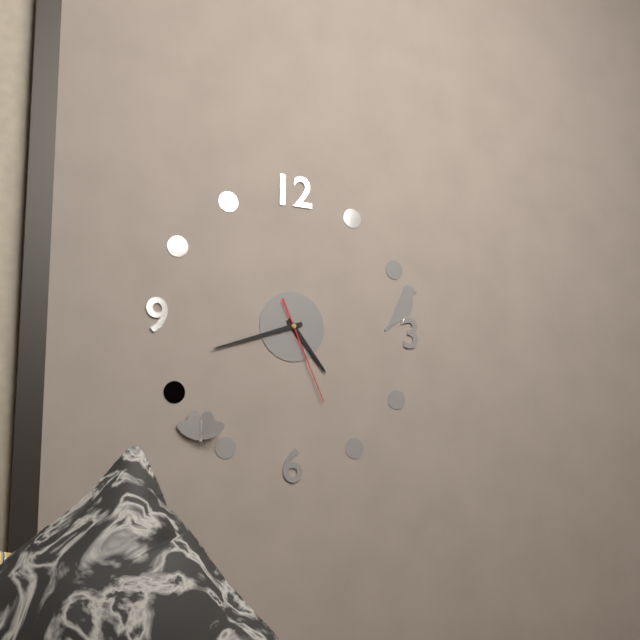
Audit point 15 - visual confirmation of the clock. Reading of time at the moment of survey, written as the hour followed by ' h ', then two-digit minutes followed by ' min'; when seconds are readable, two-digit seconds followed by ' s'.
4 h 42 min 26 s
